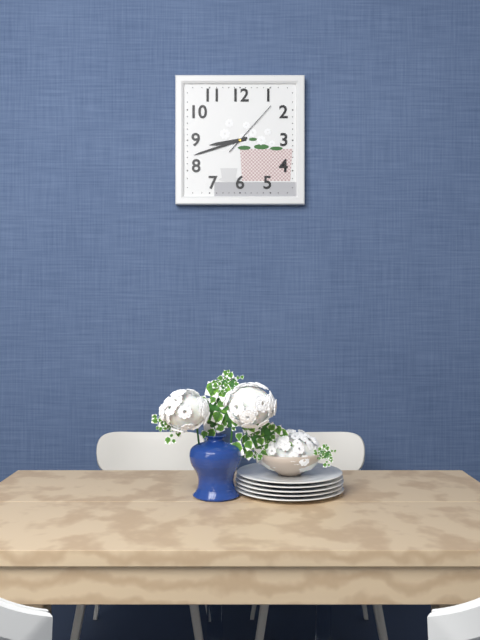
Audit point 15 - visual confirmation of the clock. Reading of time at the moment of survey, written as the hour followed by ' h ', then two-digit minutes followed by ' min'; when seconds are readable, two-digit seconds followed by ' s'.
8 h 42 min 07 s
